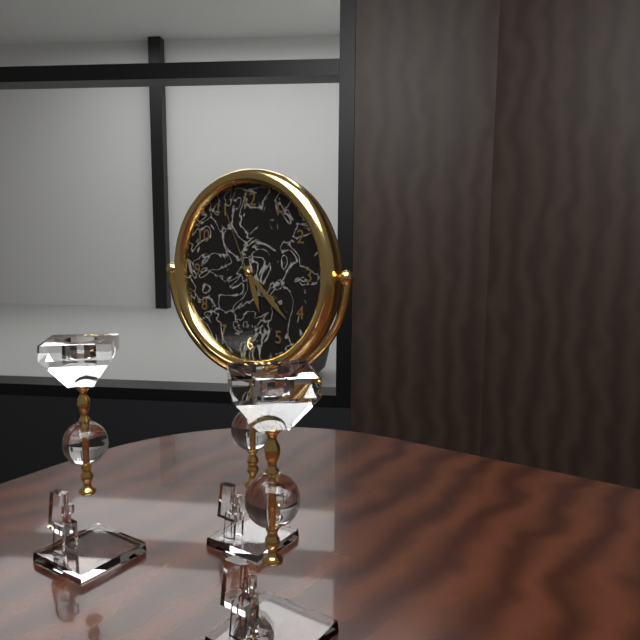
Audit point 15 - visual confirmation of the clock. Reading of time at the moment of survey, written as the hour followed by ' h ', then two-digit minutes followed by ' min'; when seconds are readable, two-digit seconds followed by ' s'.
5 h 22 min 56 s
